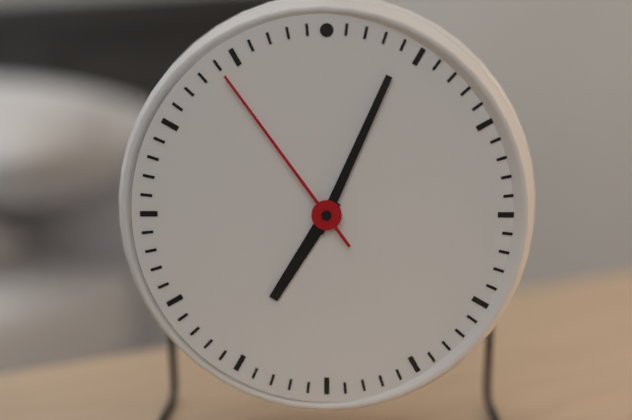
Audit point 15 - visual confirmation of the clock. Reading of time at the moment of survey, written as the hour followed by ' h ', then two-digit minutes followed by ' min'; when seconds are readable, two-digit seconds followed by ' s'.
7 h 04 min 54 s
